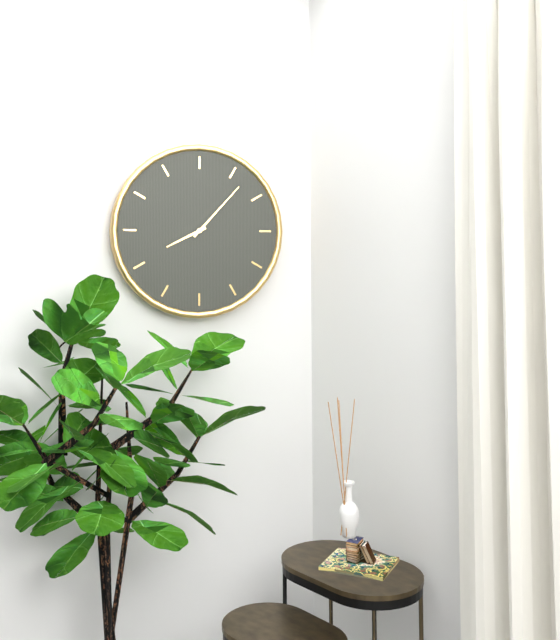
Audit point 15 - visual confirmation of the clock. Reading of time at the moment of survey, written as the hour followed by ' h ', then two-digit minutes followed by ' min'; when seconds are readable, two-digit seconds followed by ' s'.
8 h 07 min
